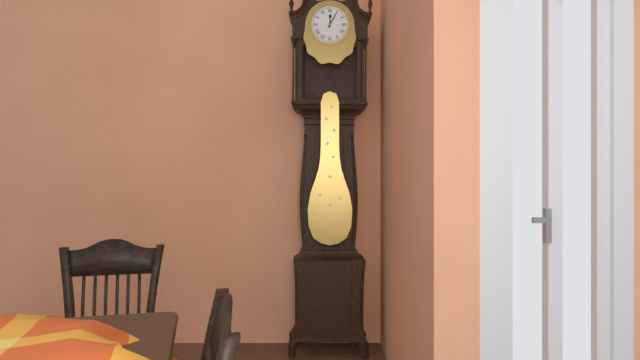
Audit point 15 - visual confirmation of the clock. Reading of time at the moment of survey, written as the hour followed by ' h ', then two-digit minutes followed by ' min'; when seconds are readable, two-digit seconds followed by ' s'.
12 h 05 min
